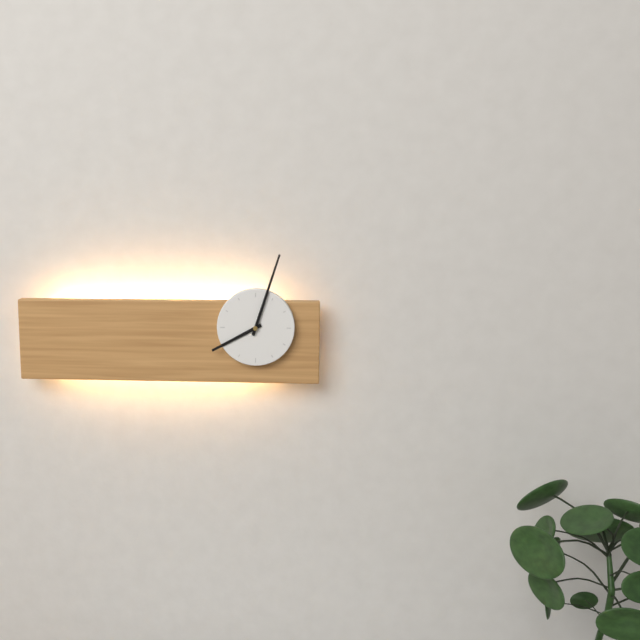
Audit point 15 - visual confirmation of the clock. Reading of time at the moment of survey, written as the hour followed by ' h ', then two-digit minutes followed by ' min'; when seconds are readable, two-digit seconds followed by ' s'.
8 h 03 min
